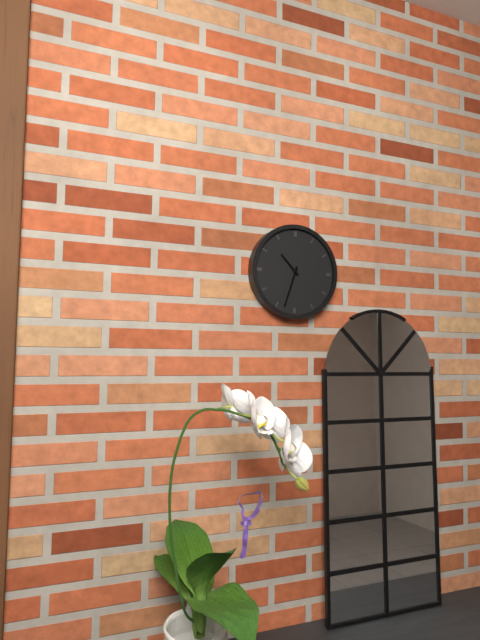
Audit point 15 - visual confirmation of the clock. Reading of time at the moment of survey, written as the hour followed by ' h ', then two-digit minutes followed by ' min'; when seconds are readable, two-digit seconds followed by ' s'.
10 h 33 min
